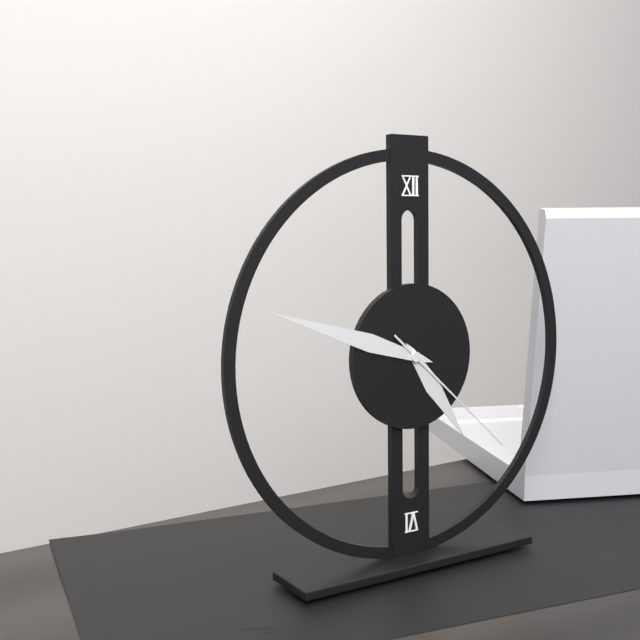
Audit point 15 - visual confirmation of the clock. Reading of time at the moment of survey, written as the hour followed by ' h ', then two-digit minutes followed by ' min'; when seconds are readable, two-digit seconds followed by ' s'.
4 h 48 min 22 s
